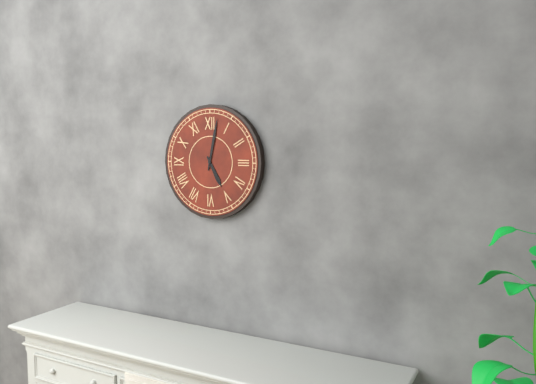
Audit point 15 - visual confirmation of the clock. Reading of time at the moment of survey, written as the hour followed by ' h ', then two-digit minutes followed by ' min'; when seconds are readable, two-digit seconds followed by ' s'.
5 h 02 min
